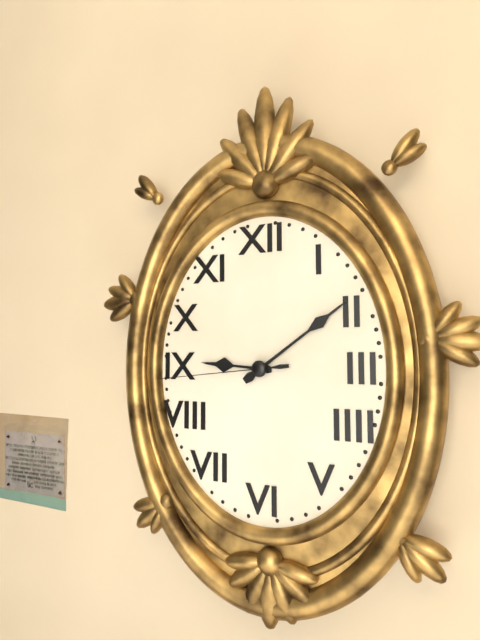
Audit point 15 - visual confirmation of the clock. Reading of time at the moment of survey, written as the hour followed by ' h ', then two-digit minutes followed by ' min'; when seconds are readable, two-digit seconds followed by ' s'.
9 h 09 min 44 s
